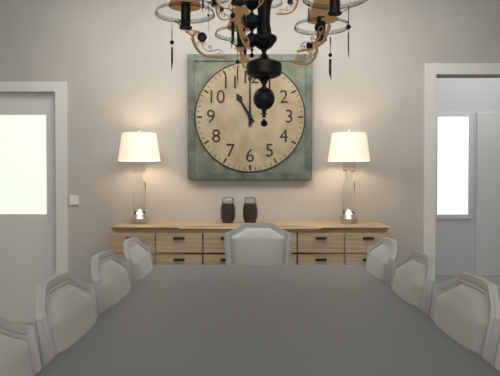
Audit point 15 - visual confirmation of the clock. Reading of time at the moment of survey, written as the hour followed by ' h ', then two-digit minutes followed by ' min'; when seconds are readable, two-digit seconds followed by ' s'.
11 h 00 min
